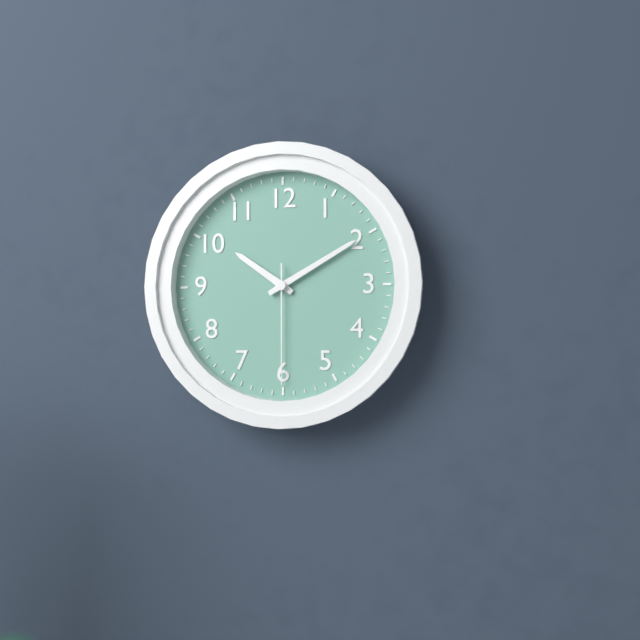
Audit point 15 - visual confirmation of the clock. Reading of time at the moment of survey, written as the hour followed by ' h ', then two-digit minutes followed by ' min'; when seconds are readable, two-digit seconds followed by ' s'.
10 h 10 min 30 s
